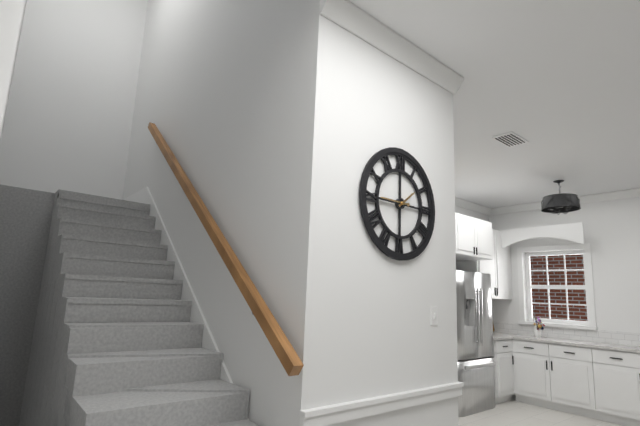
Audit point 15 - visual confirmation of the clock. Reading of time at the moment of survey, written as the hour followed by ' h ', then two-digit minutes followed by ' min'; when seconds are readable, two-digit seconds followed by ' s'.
1 h 45 min
